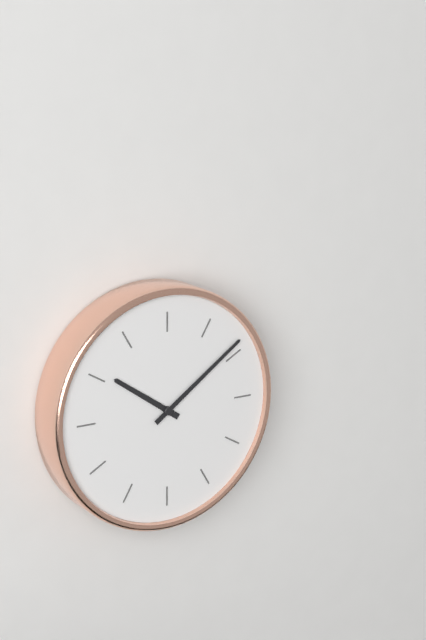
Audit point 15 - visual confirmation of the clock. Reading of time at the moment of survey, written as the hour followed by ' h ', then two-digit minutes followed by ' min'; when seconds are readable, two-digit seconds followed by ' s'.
10 h 09 min
